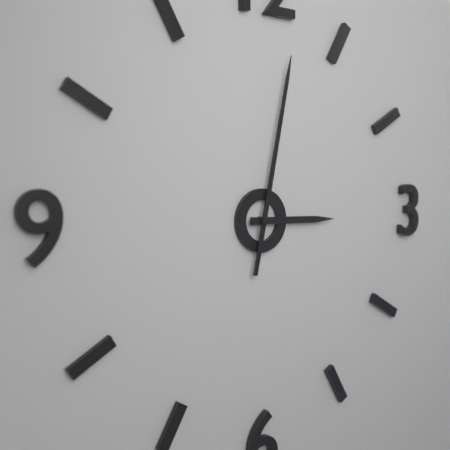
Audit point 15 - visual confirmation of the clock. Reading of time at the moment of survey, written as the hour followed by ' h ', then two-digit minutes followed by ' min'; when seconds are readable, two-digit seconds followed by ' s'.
3 h 02 min
